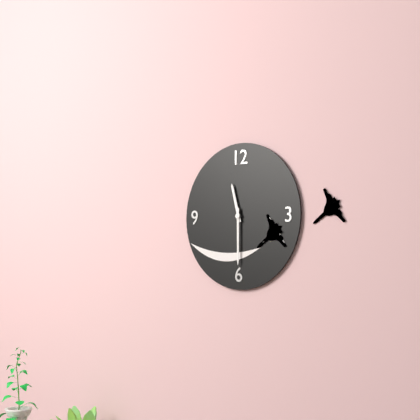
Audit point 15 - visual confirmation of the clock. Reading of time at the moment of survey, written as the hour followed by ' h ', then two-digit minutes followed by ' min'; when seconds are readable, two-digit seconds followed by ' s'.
11 h 30 min
